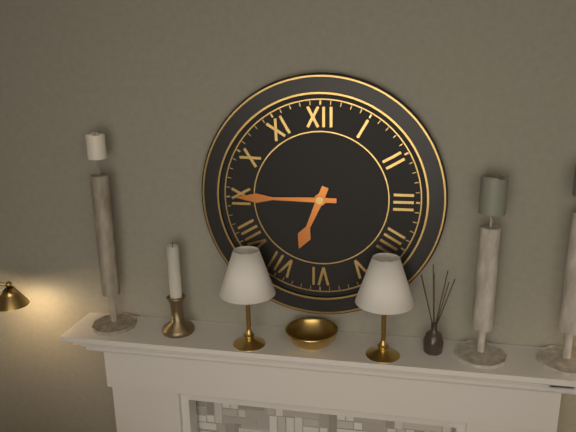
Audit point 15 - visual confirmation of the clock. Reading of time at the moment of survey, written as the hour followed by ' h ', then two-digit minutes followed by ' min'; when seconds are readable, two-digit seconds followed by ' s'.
6 h 45 min
